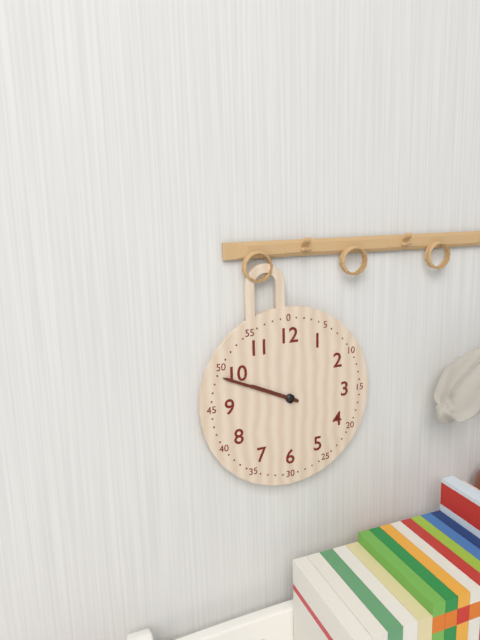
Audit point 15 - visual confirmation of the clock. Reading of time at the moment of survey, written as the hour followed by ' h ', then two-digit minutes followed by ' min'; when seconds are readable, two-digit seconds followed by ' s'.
9 h 49 min
